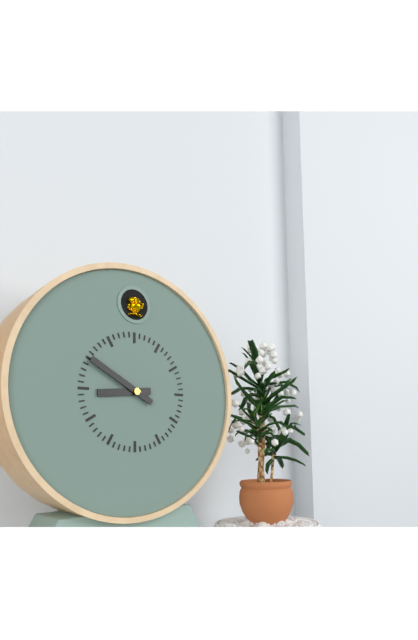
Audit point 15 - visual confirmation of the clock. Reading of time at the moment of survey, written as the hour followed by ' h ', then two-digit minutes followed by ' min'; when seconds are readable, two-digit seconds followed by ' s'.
8 h 50 min
